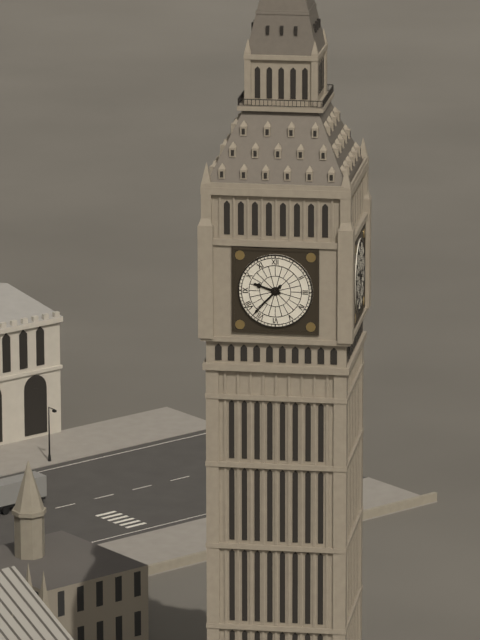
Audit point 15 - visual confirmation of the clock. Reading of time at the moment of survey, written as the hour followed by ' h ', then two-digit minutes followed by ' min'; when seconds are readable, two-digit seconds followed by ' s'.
9 h 37 min
